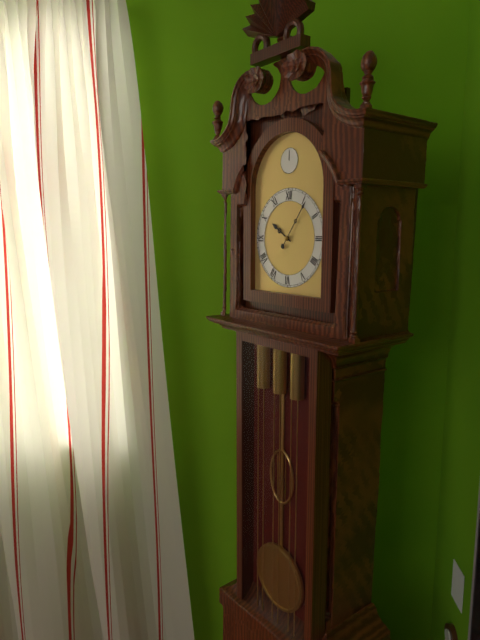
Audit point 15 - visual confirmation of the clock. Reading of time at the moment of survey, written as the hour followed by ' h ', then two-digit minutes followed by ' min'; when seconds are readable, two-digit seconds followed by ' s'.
10 h 06 min
